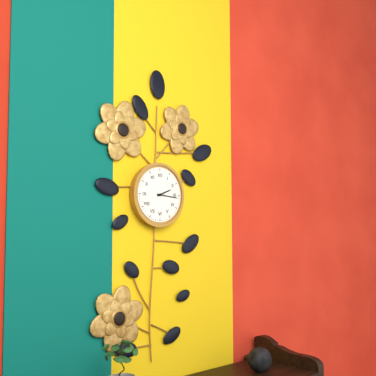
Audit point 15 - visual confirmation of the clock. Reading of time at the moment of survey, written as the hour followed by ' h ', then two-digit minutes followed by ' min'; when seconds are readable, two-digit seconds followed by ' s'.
2 h 16 min
